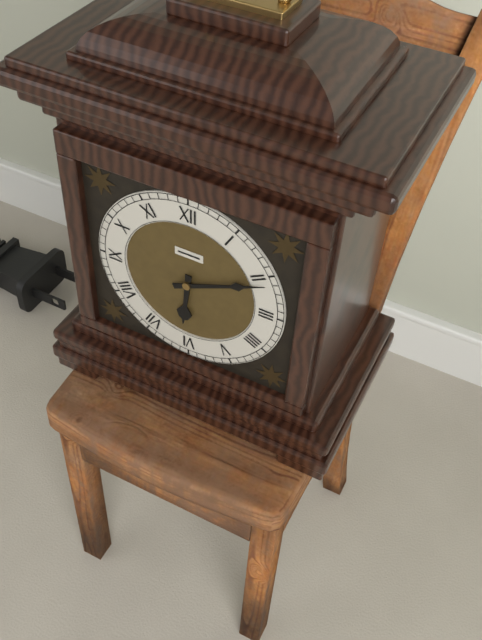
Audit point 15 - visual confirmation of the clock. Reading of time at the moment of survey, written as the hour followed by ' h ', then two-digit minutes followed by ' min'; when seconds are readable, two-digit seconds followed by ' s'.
6 h 11 min
